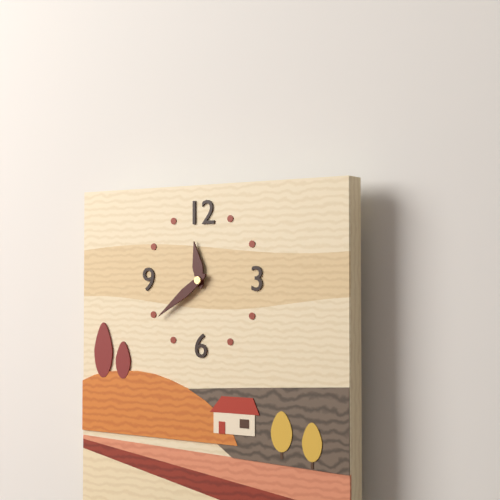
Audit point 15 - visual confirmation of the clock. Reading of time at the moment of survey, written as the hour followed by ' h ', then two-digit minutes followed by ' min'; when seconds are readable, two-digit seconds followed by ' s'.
11 h 39 min
